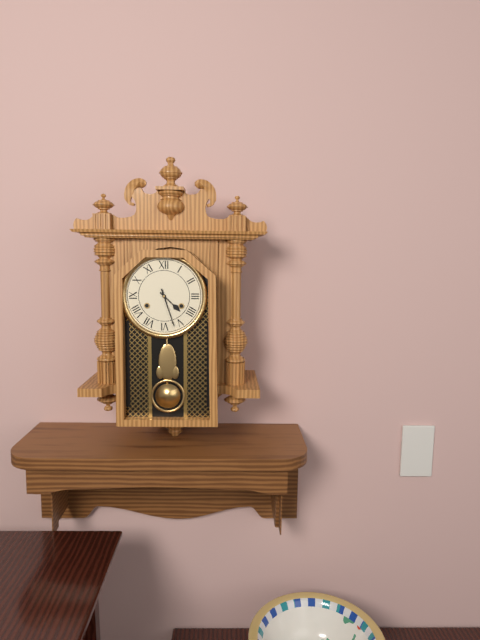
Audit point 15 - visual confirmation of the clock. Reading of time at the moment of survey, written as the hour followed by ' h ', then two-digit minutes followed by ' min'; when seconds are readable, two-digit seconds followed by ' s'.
4 h 27 min
